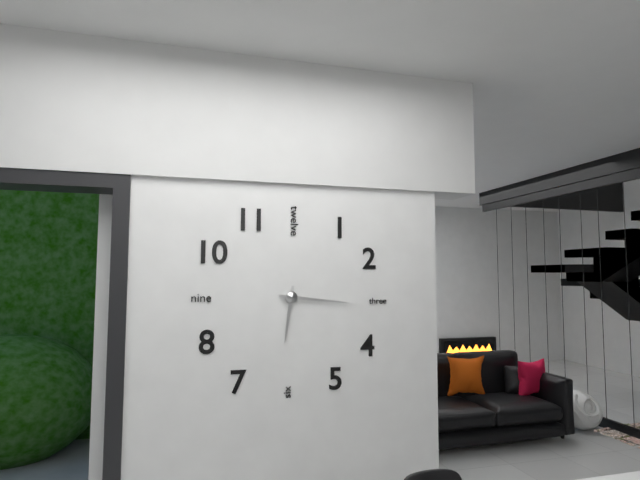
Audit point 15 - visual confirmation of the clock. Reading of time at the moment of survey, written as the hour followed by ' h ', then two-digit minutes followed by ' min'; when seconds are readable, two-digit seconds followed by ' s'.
6 h 16 min
